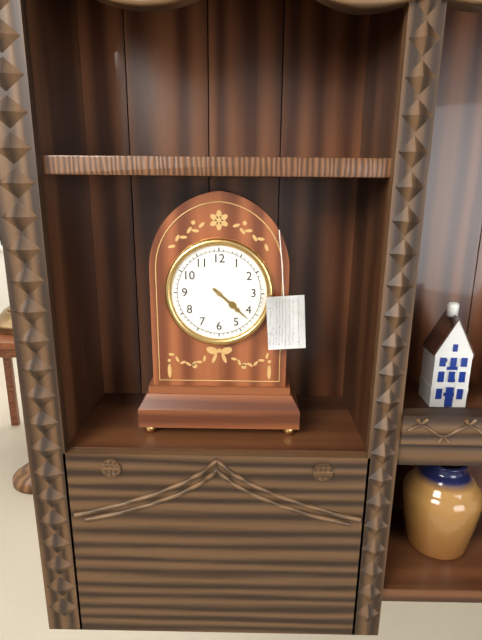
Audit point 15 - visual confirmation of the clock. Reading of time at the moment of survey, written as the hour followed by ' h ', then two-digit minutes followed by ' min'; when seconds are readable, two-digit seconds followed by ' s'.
4 h 22 min
